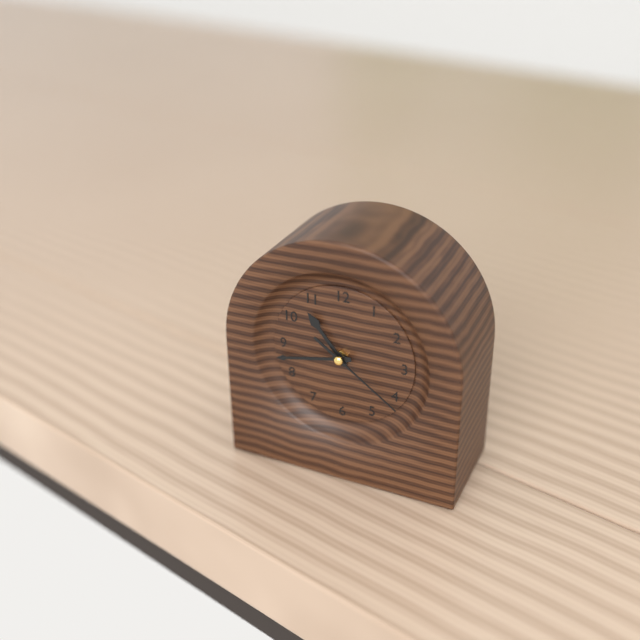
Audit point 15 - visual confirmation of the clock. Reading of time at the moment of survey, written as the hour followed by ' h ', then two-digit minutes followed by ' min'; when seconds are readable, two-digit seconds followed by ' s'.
10 h 43 min 21 s
